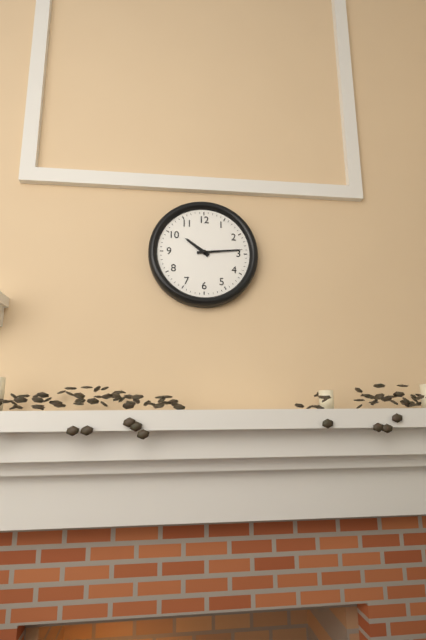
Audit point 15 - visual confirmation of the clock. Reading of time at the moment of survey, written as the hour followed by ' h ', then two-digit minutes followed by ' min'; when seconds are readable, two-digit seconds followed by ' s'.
10 h 14 min
